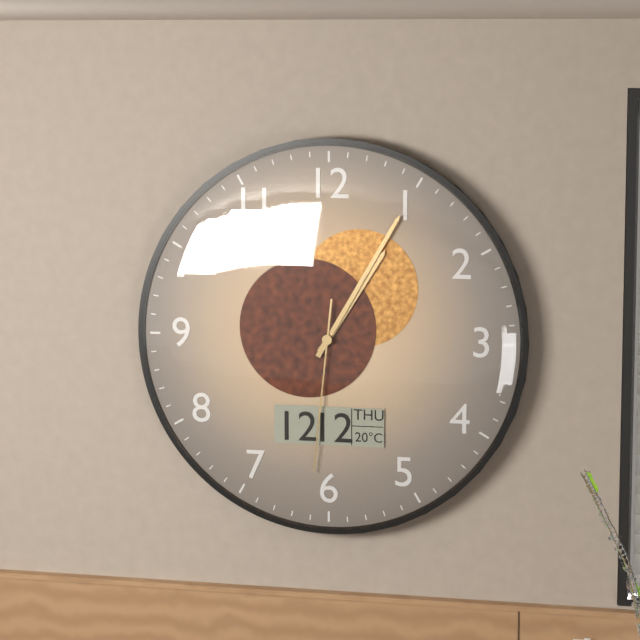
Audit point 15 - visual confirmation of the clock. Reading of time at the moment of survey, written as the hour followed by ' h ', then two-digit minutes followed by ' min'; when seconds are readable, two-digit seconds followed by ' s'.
1 h 05 min 31 s
